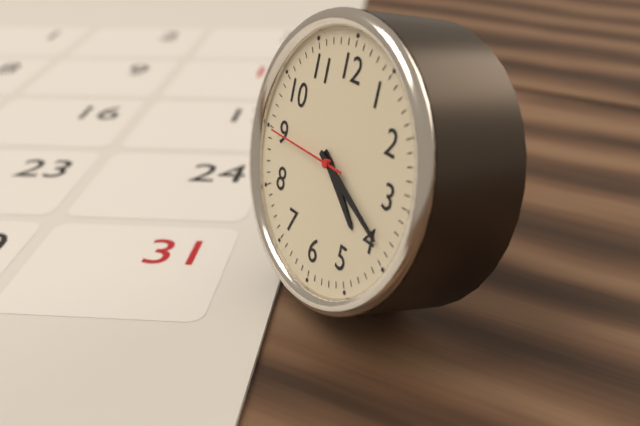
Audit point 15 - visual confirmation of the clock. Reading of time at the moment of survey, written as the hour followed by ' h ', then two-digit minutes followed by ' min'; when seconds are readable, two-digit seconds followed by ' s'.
4 h 19 min 45 s
